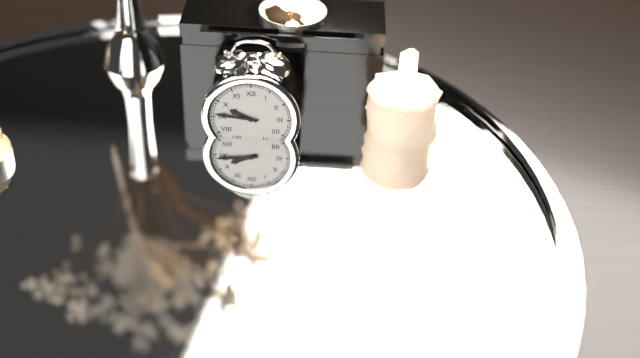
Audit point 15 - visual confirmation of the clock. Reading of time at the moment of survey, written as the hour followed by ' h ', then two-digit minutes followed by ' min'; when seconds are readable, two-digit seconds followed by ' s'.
9 h 46 min
